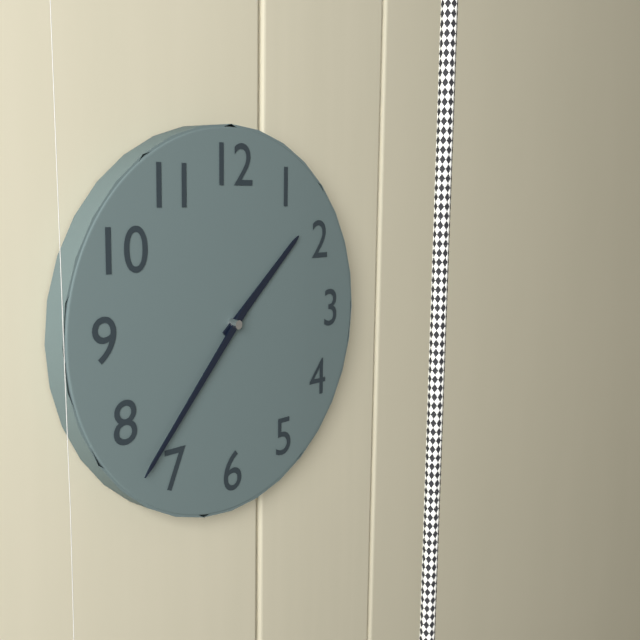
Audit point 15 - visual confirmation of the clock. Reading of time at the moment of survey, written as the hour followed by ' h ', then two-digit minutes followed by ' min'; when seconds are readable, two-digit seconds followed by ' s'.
1 h 37 min
